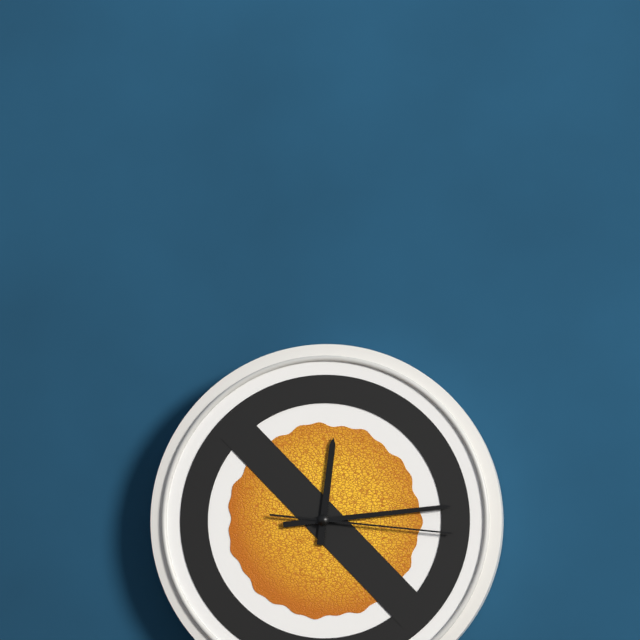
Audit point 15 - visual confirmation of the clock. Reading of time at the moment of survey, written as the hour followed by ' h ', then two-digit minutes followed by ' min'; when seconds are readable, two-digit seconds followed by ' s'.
12 h 14 min 16 s
